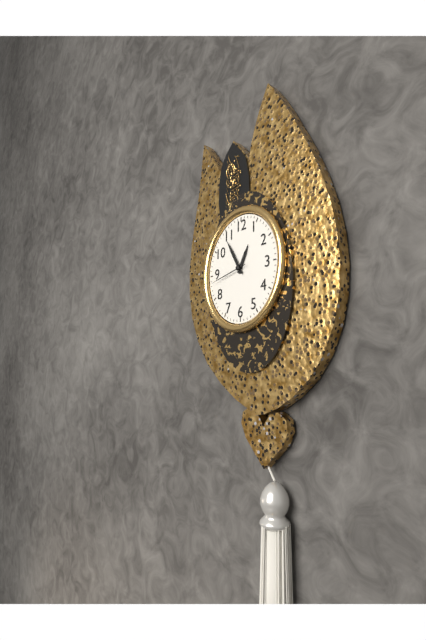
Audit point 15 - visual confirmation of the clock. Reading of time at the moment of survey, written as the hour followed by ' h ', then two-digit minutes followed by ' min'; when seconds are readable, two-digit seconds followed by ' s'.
12 h 55 min
